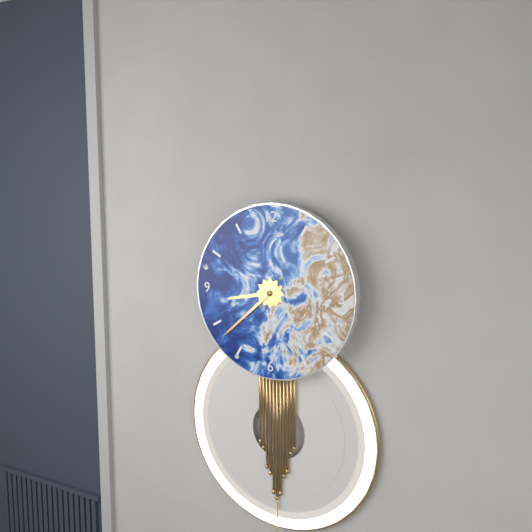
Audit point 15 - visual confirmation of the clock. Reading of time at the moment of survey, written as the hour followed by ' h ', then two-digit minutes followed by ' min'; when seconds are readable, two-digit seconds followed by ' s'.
8 h 38 min
